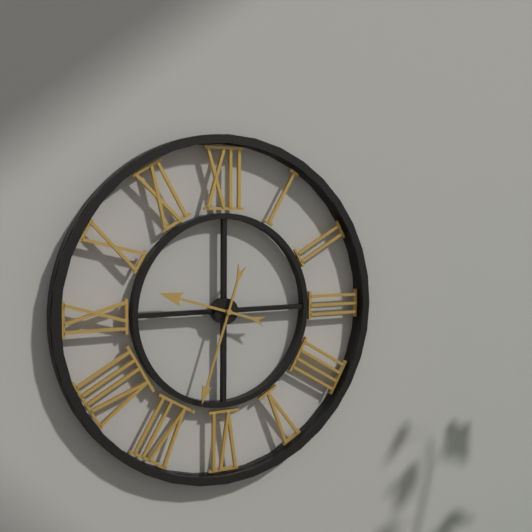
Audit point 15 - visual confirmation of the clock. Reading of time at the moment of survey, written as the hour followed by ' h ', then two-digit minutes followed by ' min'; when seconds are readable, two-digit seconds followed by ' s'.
9 h 33 min
